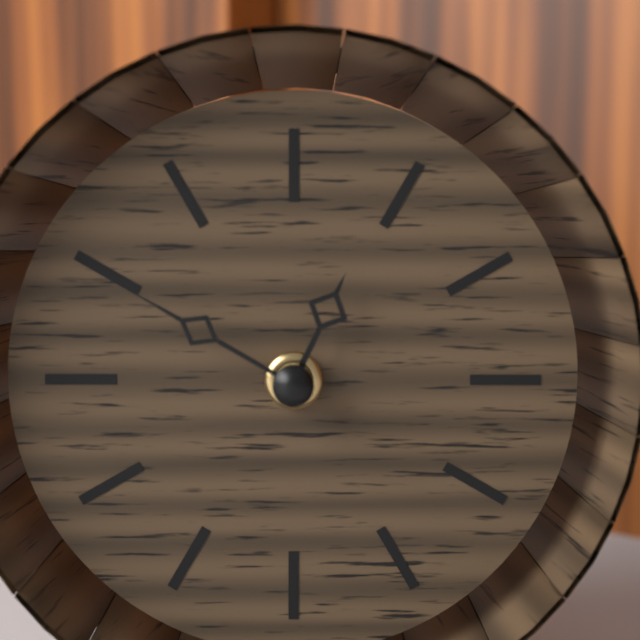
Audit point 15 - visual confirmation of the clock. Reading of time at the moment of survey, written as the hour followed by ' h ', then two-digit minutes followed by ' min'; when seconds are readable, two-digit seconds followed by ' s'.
12 h 50 min
